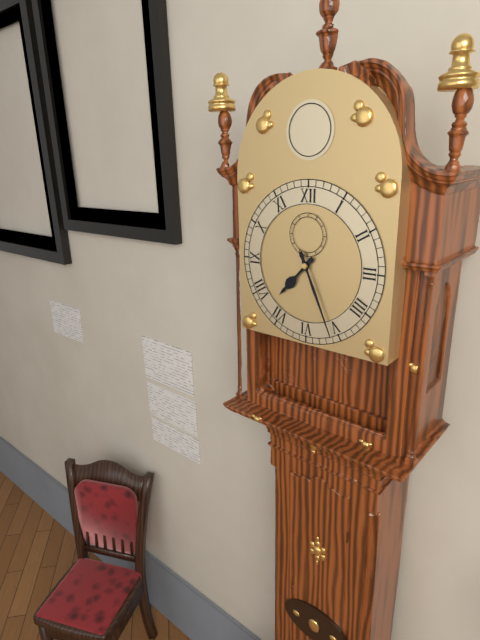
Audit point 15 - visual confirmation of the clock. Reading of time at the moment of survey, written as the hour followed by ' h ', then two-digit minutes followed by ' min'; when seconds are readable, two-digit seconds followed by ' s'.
7 h 26 min
